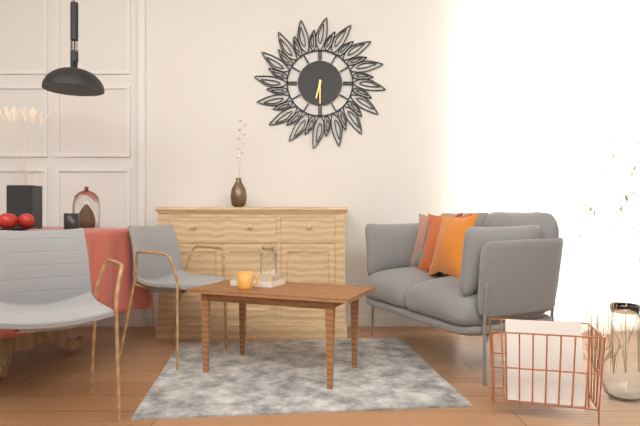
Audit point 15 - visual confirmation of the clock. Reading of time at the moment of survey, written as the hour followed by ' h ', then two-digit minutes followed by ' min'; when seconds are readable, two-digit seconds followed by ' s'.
6 h 30 min
